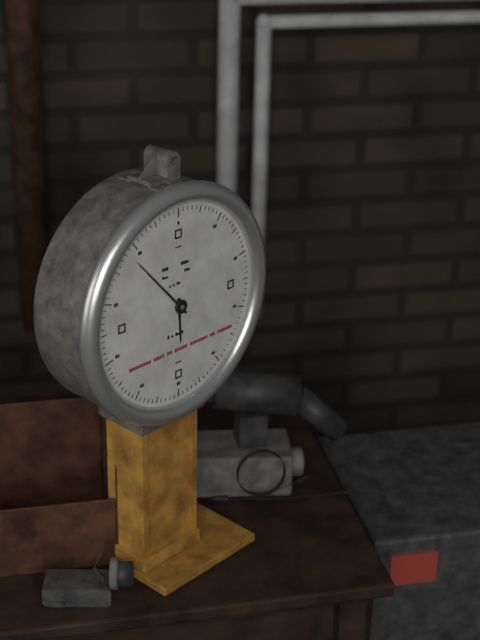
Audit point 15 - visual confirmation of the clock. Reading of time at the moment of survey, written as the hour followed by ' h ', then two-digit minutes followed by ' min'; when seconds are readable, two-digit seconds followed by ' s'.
5 h 53 min
